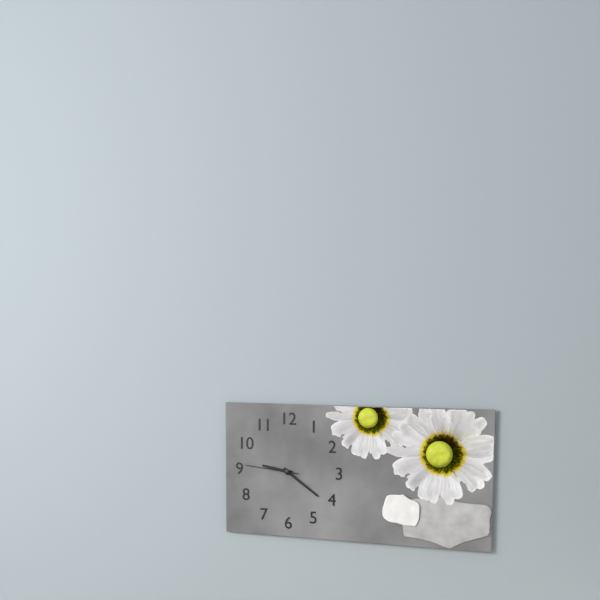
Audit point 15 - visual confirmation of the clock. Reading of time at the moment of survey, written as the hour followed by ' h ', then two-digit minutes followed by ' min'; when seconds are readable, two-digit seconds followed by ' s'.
9 h 21 min 46 s
